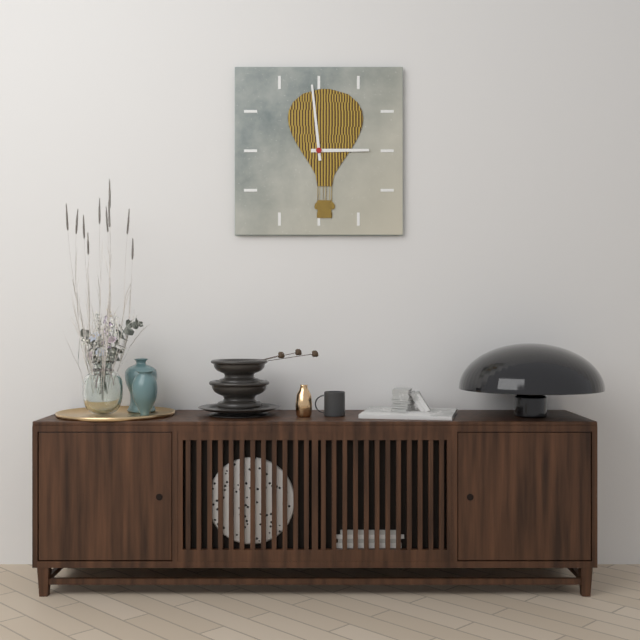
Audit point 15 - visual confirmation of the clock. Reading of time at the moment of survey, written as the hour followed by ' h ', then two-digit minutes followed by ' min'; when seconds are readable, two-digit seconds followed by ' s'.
2 h 59 min
